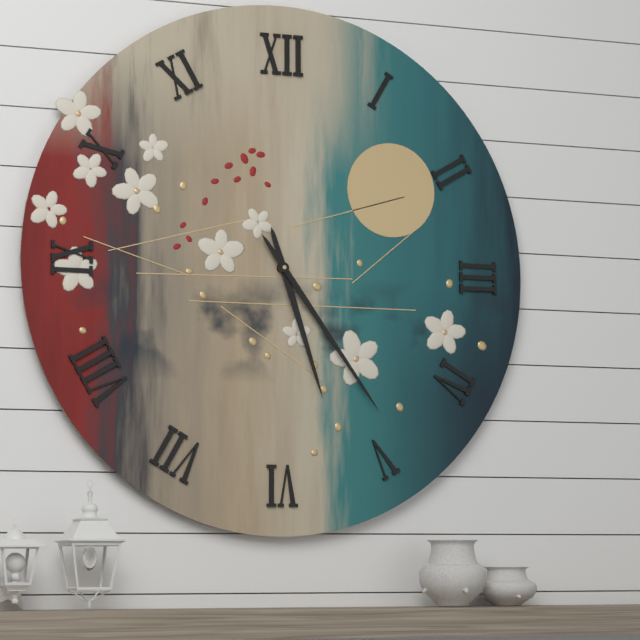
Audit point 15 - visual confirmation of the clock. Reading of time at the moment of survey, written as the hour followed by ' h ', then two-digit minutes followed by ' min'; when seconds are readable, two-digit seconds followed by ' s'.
5 h 24 min
